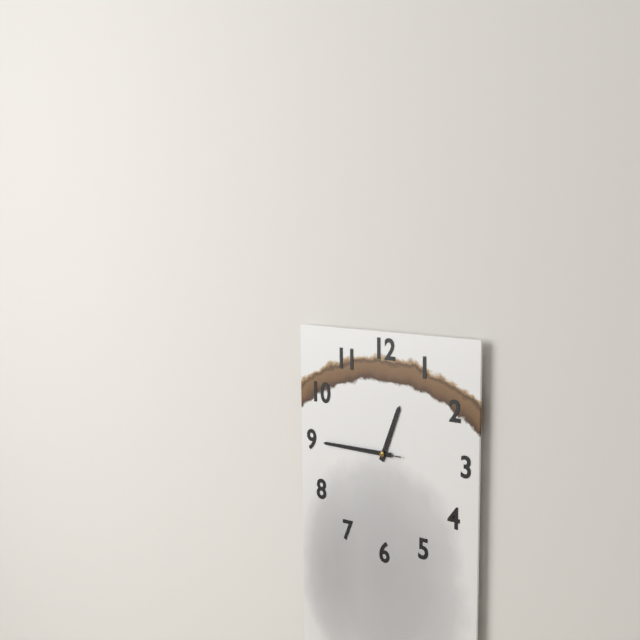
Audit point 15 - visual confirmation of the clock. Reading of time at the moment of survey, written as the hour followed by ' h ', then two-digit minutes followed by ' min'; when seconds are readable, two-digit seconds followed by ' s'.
12 h 45 min 45 s
